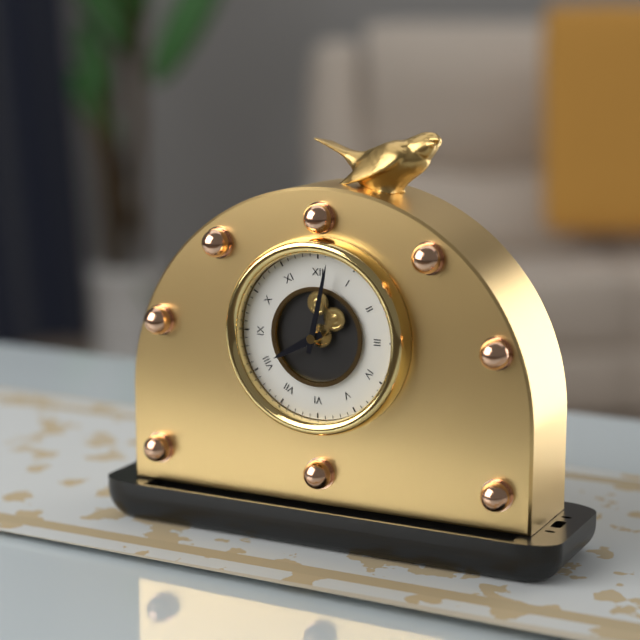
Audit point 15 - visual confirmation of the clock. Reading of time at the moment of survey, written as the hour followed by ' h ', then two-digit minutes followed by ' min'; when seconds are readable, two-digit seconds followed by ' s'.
8 h 02 min
